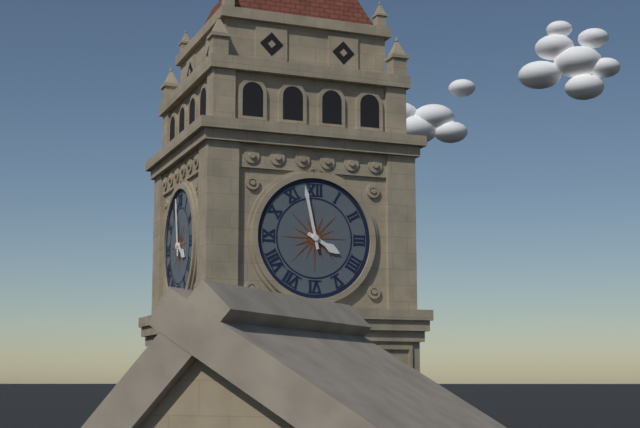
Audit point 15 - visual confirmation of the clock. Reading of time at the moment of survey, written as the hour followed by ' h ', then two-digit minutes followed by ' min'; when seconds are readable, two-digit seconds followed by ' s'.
3 h 58 min
